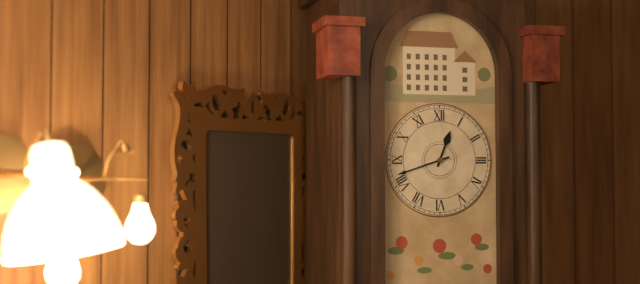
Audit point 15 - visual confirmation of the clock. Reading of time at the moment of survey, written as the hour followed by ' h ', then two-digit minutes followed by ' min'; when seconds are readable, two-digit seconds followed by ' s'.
12 h 42 min
